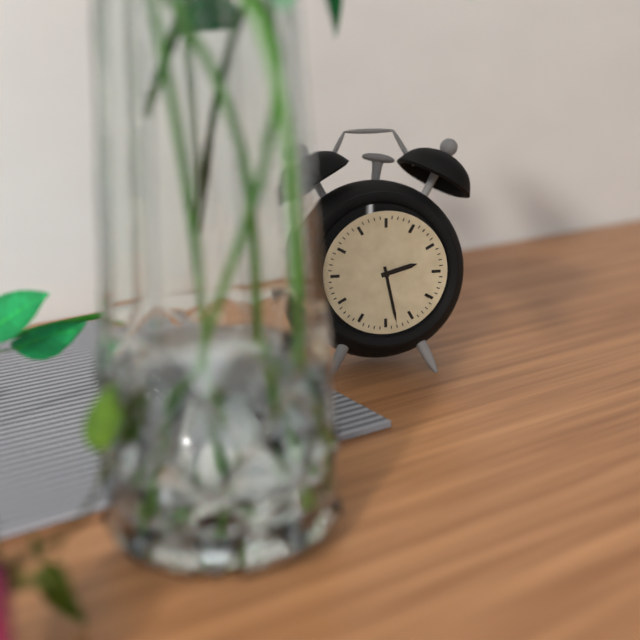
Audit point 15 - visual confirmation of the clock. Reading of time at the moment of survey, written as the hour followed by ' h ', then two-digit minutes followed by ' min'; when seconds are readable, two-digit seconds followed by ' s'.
2 h 28 min
